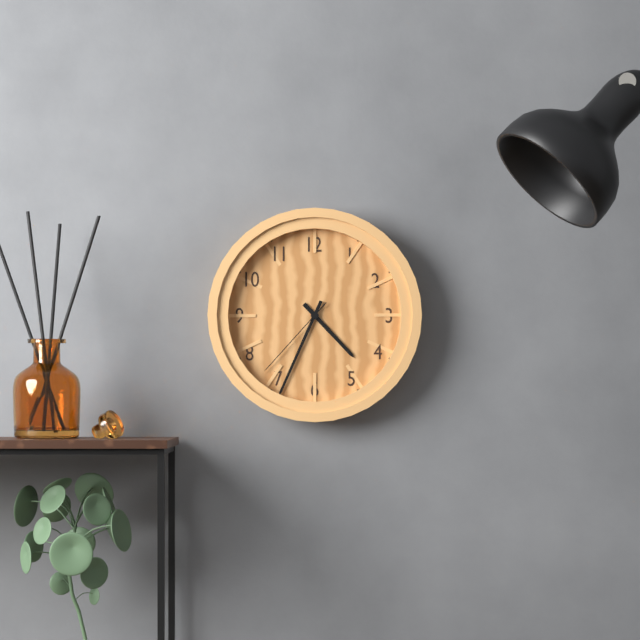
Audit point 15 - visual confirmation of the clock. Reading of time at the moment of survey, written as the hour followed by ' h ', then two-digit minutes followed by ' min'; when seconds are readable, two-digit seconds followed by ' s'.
4 h 34 min 37 s
